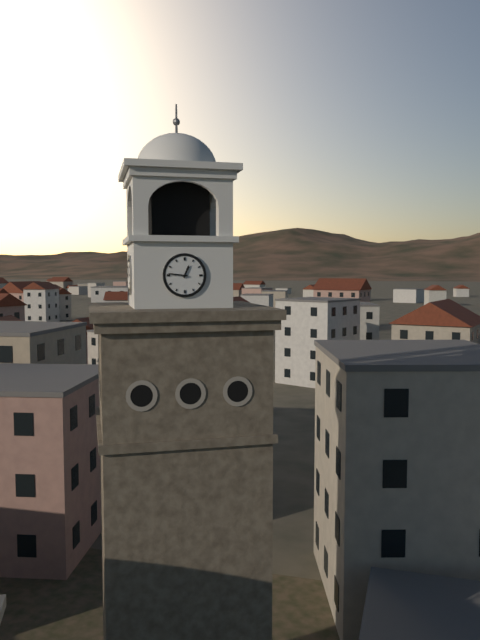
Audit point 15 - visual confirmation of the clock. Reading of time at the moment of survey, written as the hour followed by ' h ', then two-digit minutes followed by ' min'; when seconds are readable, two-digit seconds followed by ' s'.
12 h 46 min
